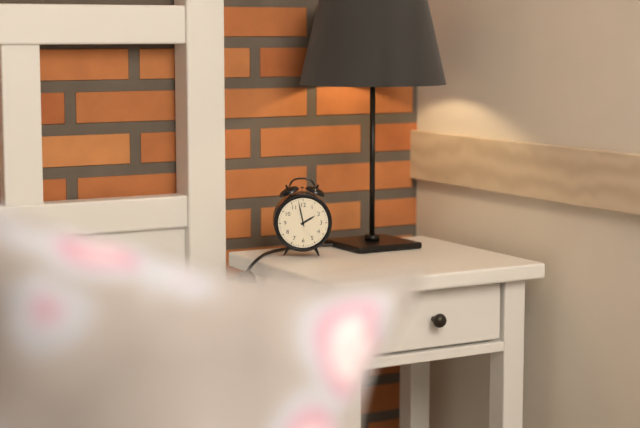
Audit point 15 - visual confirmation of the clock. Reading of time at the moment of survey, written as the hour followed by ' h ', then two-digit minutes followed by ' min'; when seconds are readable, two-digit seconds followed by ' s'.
1 h 58 min
